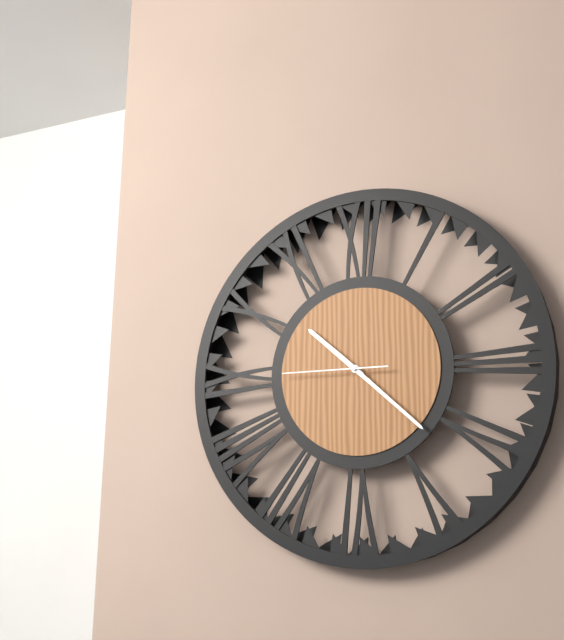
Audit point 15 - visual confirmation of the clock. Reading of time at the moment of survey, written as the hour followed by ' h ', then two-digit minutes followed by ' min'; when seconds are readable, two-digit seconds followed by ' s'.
10 h 22 min 45 s
